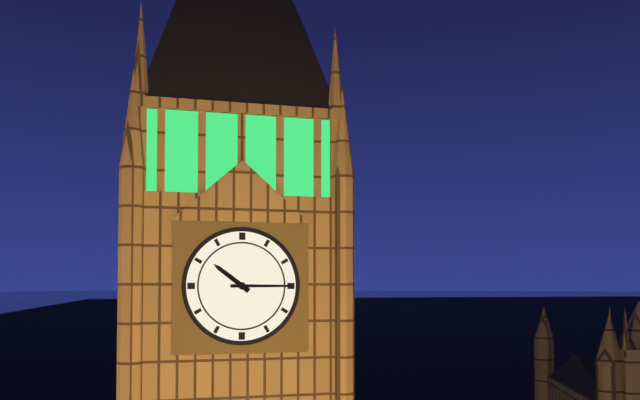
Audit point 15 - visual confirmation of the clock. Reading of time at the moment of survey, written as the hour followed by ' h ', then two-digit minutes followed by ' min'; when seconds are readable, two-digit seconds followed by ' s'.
10 h 15 min
